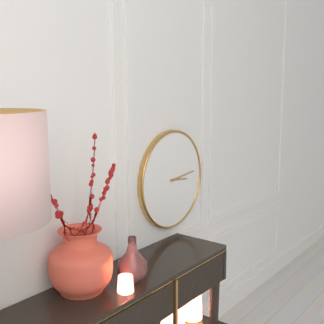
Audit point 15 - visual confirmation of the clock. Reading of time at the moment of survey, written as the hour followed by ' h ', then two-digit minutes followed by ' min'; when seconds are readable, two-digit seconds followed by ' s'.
3 h 14 min
